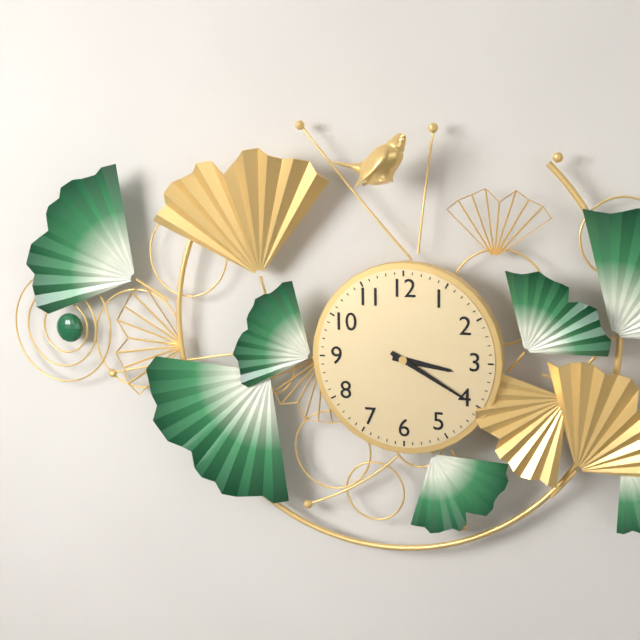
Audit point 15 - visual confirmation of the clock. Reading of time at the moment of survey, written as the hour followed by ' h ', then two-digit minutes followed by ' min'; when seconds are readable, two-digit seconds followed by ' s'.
3 h 20 min
